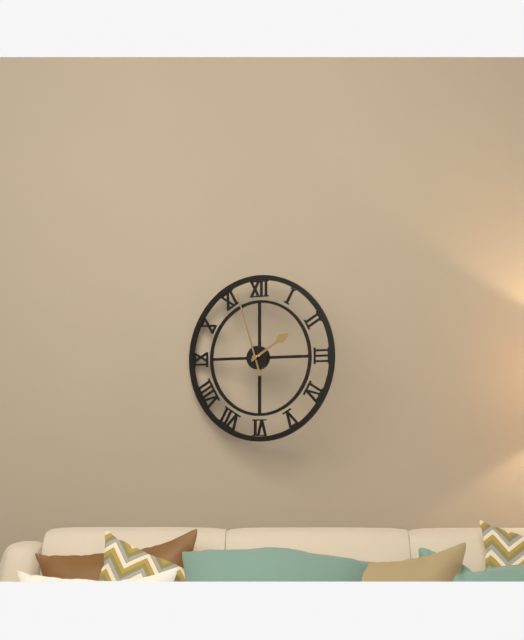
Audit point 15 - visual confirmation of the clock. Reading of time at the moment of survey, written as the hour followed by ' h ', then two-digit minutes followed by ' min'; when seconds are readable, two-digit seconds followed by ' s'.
1 h 57 min
